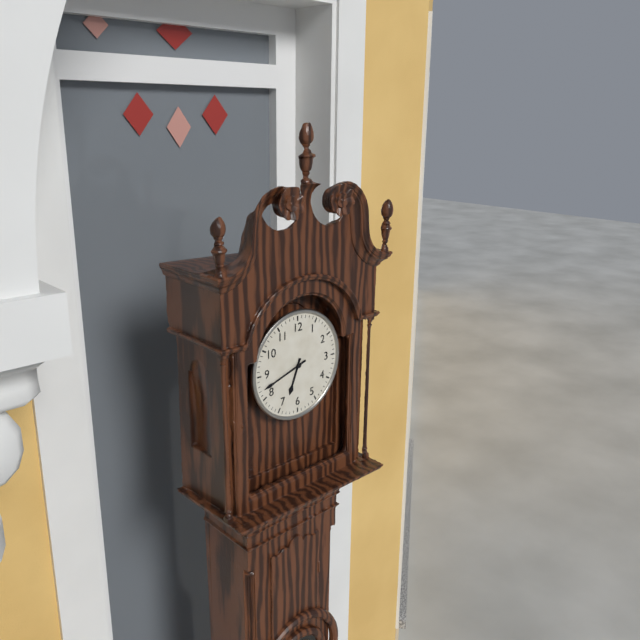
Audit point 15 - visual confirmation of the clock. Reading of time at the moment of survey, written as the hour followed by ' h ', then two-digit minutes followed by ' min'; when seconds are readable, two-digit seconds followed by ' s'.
6 h 42 min
